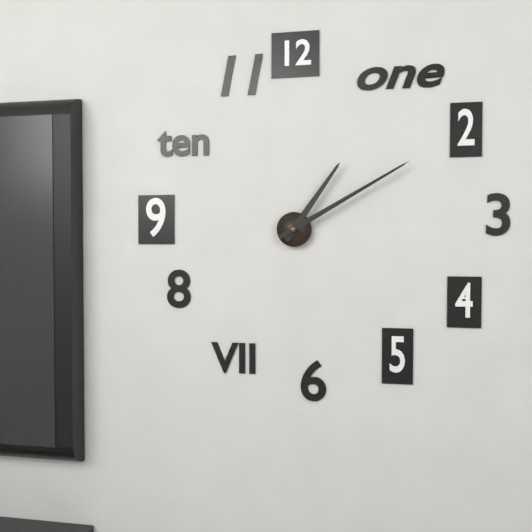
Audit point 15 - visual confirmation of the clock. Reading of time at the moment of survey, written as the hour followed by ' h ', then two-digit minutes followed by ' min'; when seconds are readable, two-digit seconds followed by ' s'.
1 h 10 min
